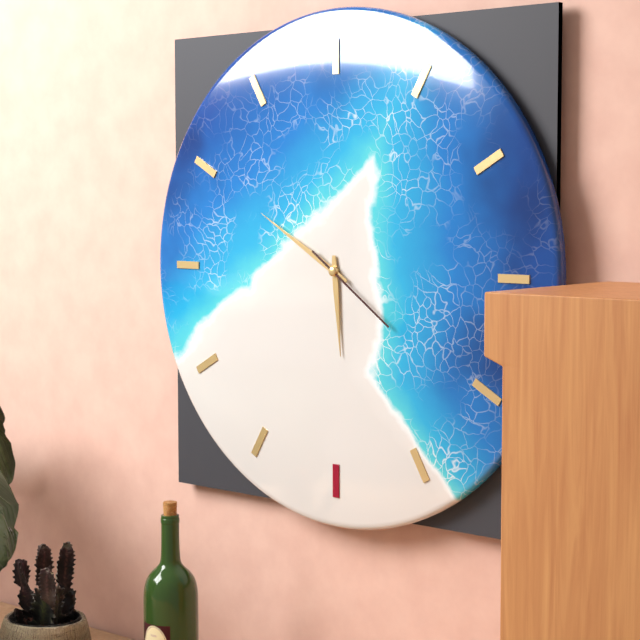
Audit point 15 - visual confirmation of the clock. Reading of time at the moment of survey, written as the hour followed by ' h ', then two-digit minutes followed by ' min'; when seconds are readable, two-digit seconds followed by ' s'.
5 h 50 min 21 s
